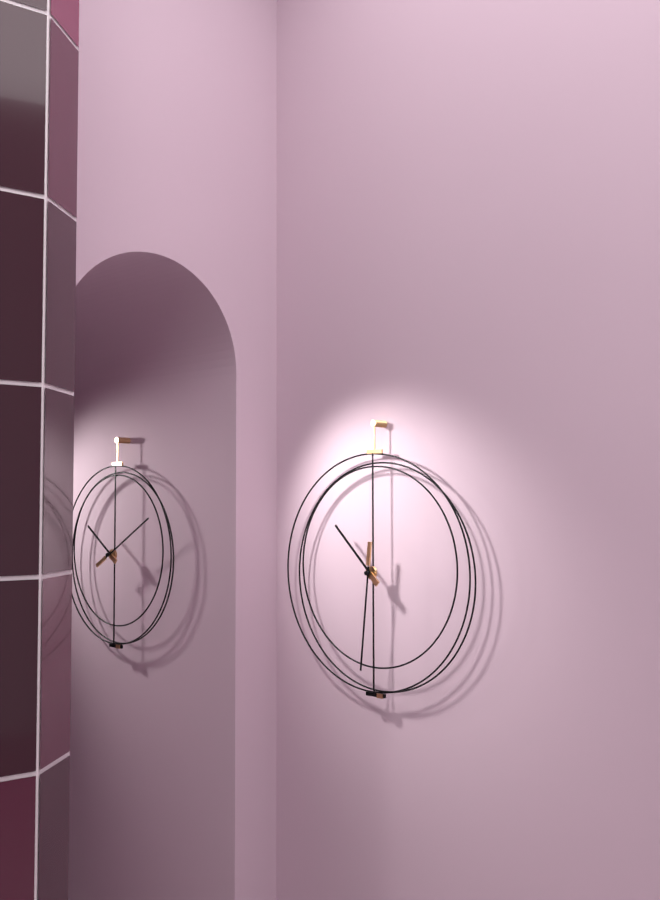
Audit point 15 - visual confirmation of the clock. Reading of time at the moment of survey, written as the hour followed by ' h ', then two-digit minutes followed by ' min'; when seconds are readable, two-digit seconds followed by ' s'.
10 h 31 min
